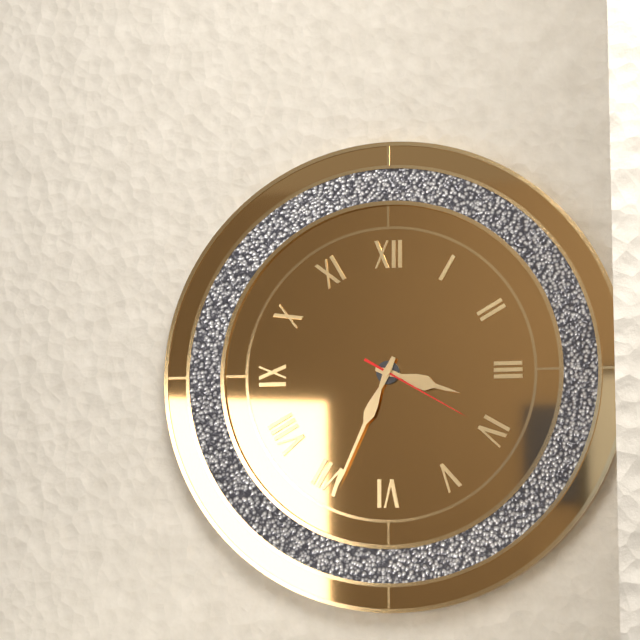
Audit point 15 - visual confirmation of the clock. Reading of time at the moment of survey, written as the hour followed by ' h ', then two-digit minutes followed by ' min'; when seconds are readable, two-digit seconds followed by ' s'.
3 h 34 min 20 s
